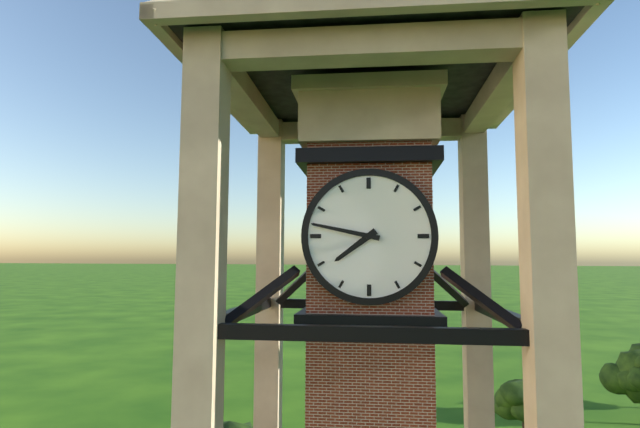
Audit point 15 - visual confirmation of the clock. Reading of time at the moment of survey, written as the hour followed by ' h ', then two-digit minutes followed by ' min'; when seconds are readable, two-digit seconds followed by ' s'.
7 h 47 min
